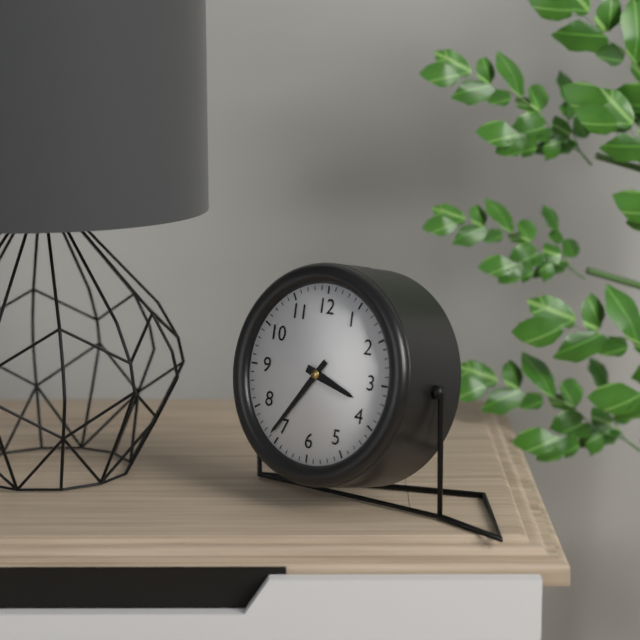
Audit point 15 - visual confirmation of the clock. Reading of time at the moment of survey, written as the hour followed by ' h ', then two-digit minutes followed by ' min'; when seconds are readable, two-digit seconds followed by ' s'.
3 h 36 min
